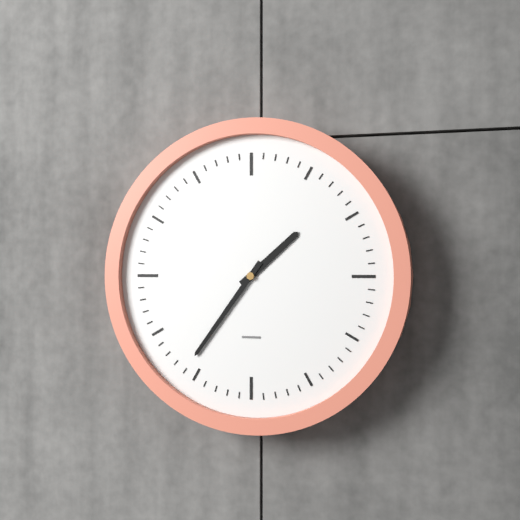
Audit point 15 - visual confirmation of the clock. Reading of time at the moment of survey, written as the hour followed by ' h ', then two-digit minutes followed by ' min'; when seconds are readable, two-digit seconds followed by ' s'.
1 h 36 min
